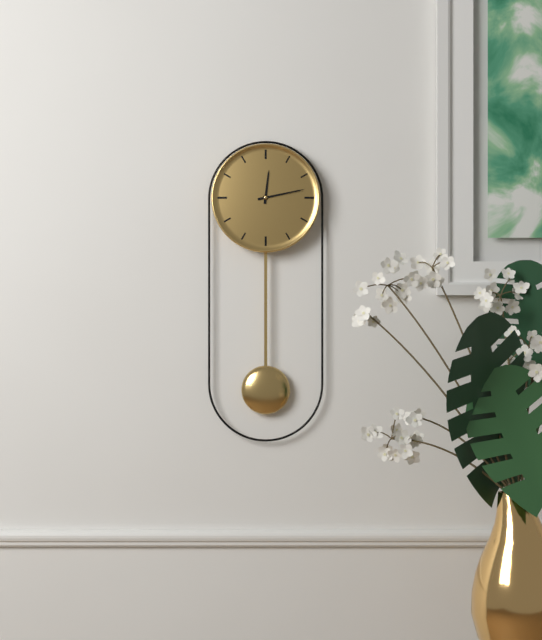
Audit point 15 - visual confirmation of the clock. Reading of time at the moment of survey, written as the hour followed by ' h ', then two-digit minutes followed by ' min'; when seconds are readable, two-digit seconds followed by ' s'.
12 h 13 min
